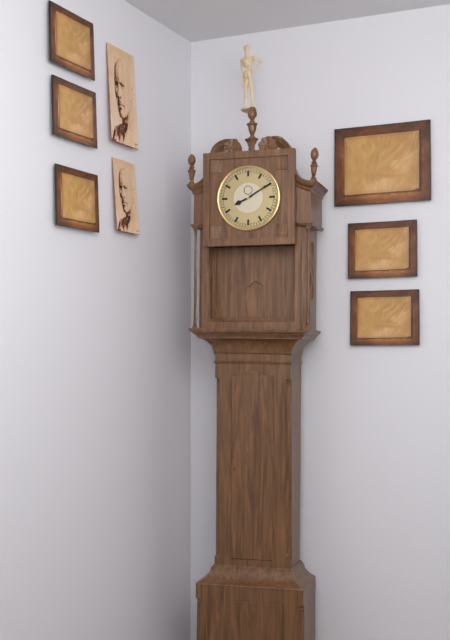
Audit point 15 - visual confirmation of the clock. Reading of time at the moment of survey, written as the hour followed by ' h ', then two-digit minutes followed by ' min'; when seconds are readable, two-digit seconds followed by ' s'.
8 h 10 min
